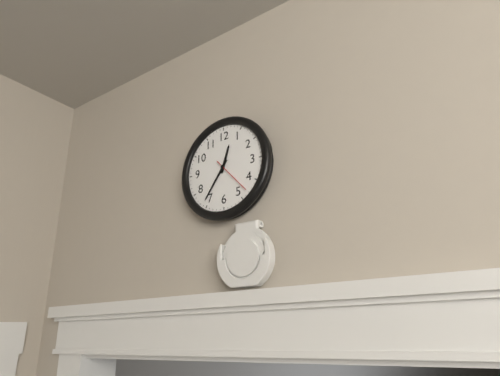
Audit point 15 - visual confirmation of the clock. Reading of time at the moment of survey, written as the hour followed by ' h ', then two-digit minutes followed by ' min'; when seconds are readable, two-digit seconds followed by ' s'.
12 h 36 min
